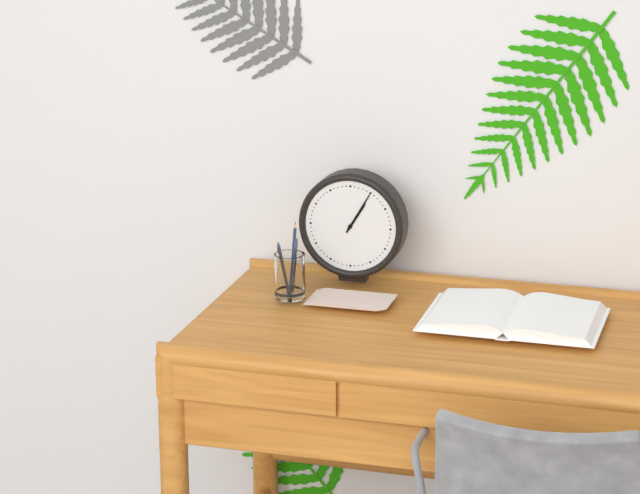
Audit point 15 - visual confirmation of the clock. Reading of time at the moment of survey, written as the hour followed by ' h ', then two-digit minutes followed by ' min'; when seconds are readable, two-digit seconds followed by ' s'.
1 h 05 min
